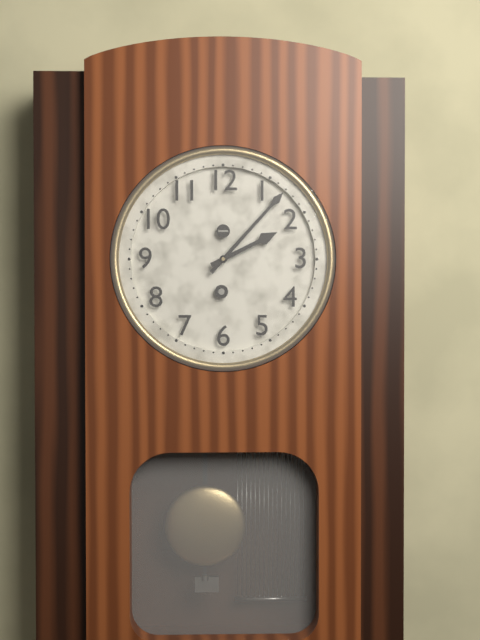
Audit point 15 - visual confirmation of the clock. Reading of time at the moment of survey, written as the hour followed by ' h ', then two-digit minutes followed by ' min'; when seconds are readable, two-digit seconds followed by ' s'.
2 h 07 min
